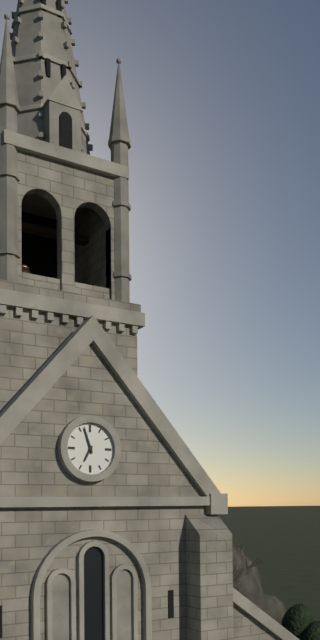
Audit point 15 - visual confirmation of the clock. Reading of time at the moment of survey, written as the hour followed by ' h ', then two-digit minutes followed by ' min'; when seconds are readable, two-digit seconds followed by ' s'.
6 h 57 min
